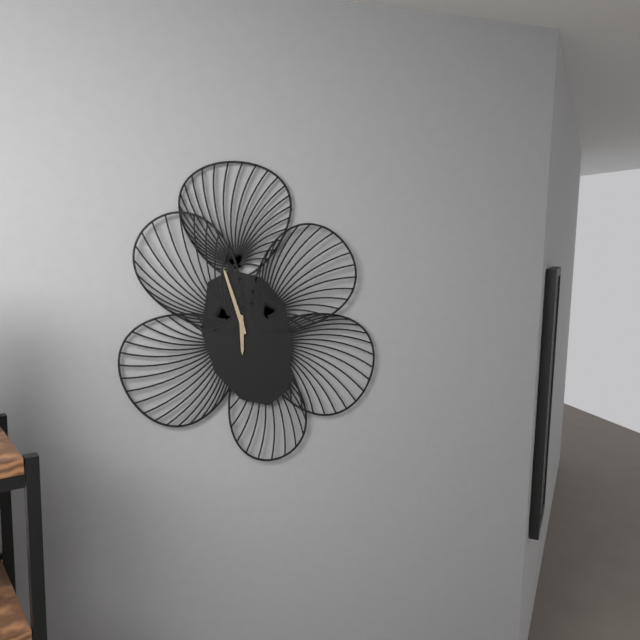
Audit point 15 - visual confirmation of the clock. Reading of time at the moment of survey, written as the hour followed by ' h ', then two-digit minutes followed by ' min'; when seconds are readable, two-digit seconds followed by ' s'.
5 h 57 min
